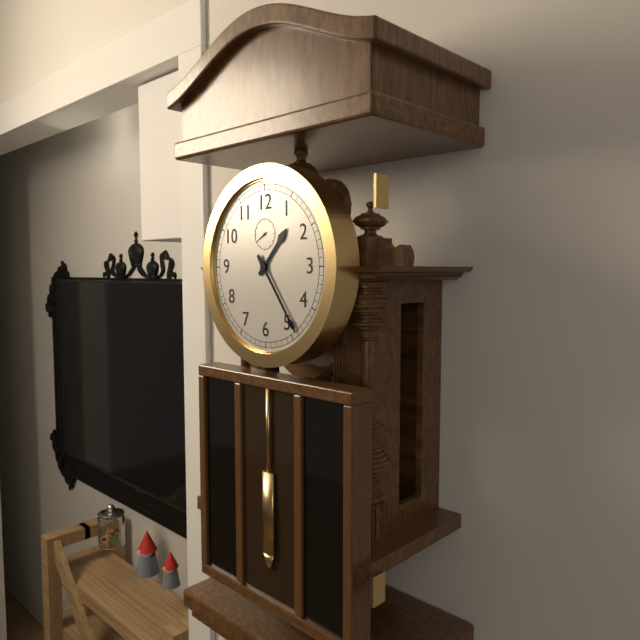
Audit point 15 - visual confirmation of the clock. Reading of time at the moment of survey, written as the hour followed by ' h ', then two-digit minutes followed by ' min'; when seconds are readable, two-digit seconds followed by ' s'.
1 h 24 min
